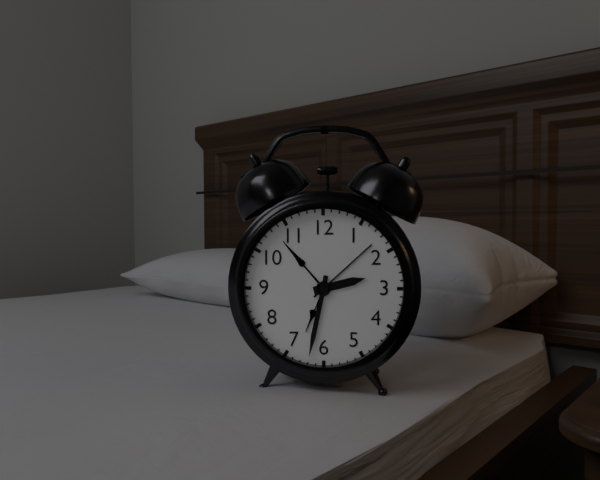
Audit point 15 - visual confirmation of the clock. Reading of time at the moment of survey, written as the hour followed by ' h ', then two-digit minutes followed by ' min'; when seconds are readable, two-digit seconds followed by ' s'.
2 h 32 min
